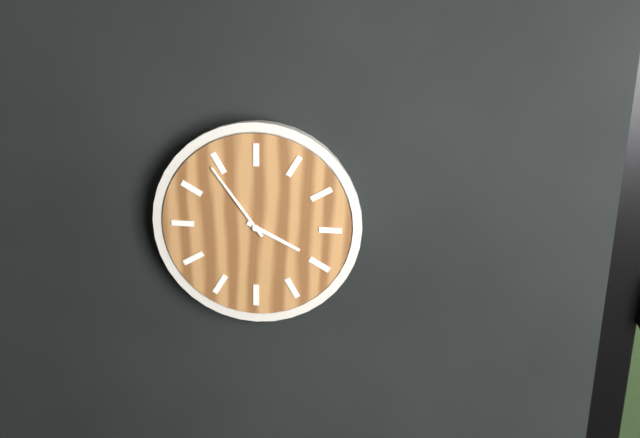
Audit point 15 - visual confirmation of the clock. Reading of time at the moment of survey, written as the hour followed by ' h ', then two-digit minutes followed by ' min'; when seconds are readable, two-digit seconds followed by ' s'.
3 h 54 min
